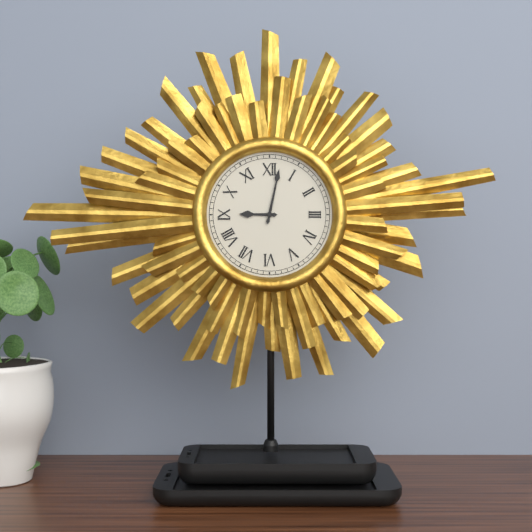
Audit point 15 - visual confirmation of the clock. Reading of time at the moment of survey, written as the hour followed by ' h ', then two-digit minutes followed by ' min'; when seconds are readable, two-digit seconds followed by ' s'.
9 h 02 min
